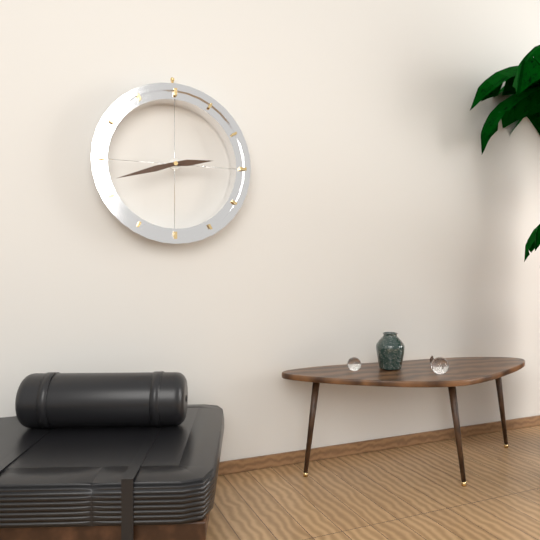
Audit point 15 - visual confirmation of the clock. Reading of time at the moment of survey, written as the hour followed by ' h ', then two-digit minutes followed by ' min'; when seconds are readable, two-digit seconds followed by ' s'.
2 h 42 min
